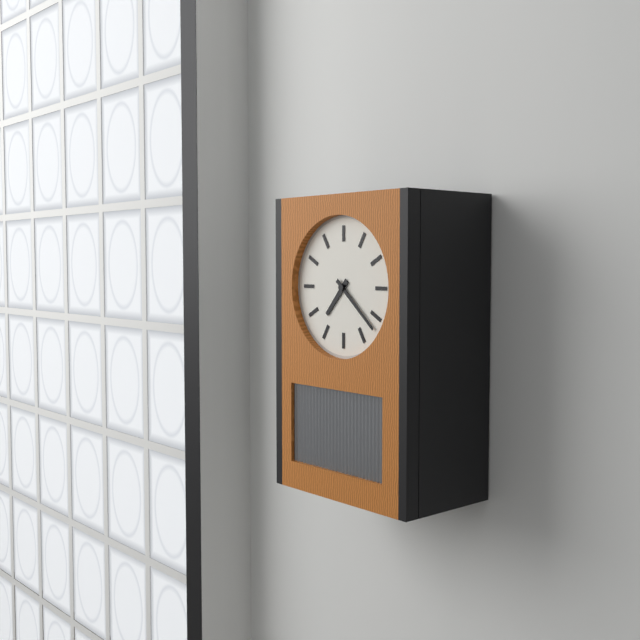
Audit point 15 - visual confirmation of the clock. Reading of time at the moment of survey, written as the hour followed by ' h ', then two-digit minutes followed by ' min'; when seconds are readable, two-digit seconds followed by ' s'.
7 h 22 min
